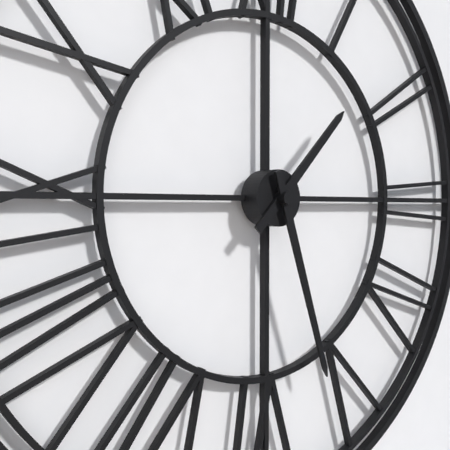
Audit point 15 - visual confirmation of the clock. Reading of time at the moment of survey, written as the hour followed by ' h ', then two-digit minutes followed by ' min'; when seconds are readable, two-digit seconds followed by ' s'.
1 h 27 min
